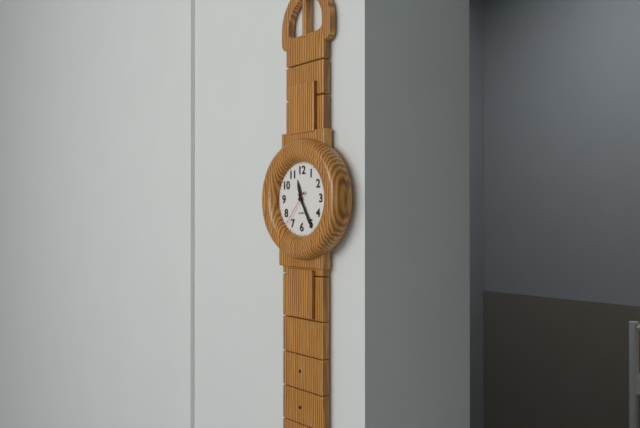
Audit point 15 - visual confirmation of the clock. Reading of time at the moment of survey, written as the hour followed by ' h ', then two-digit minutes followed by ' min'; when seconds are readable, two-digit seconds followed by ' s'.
11 h 25 min
